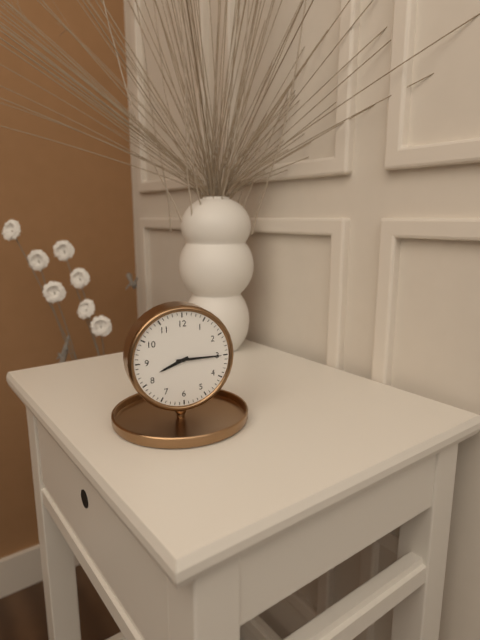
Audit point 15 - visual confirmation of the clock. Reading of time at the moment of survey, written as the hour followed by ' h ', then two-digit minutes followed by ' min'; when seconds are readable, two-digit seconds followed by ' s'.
8 h 15 min
